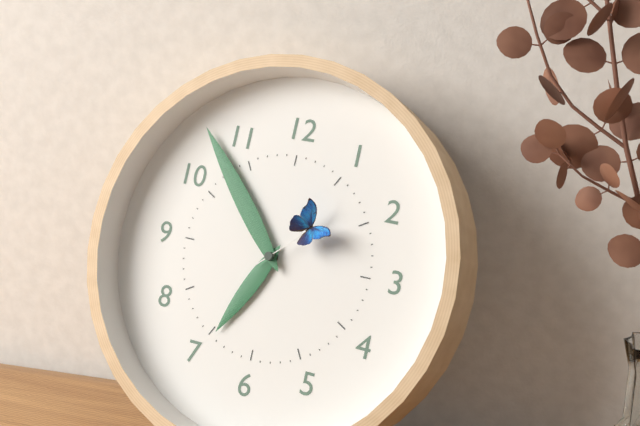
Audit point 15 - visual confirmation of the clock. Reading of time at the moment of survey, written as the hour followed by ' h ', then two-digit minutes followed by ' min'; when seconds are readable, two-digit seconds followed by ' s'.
6 h 53 min 08 s
